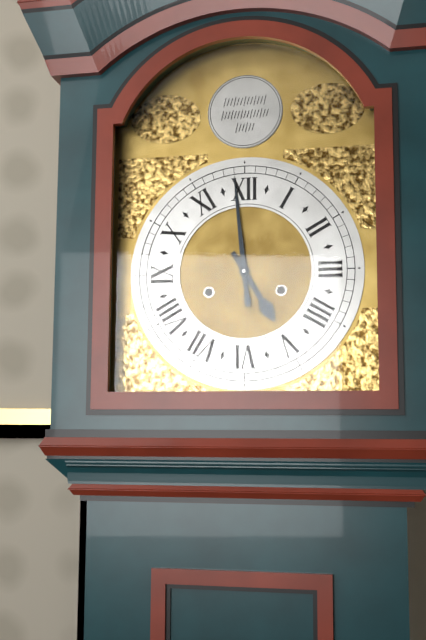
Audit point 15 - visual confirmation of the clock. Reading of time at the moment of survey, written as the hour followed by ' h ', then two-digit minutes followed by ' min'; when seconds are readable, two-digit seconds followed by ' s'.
4 h 59 min
